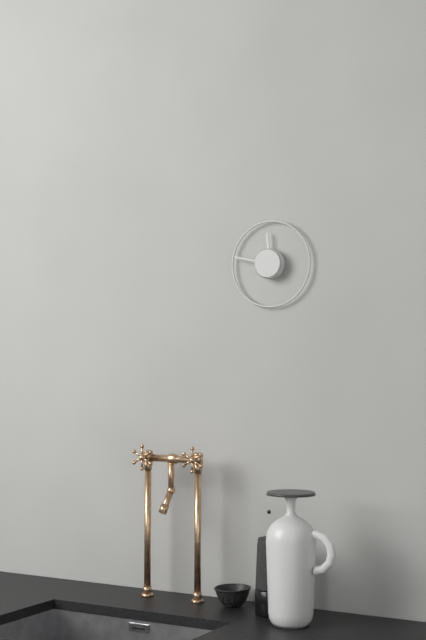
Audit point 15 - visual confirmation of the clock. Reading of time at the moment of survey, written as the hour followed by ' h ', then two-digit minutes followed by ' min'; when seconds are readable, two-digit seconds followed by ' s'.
11 h 47 min
